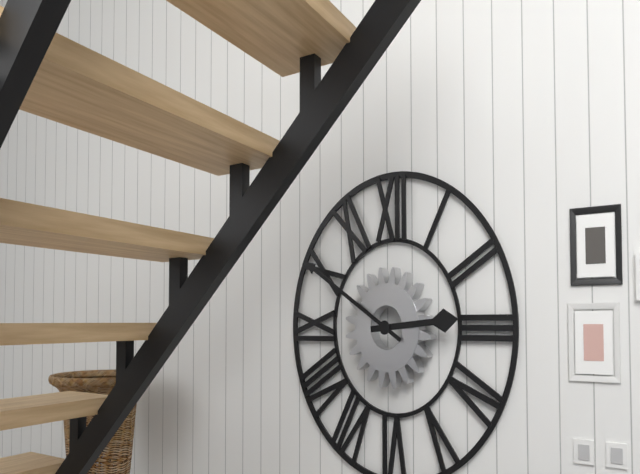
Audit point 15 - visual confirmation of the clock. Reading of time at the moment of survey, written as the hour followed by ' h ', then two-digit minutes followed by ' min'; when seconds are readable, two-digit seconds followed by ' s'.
2 h 50 min
